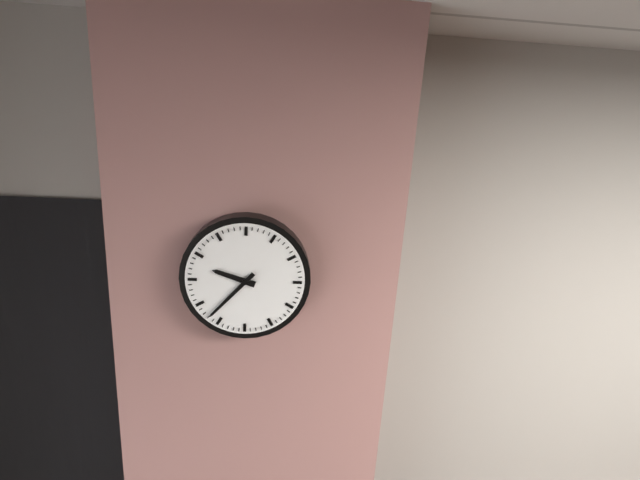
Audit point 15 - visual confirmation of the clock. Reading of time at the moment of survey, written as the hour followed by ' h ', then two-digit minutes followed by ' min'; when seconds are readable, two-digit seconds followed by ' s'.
9 h 37 min
